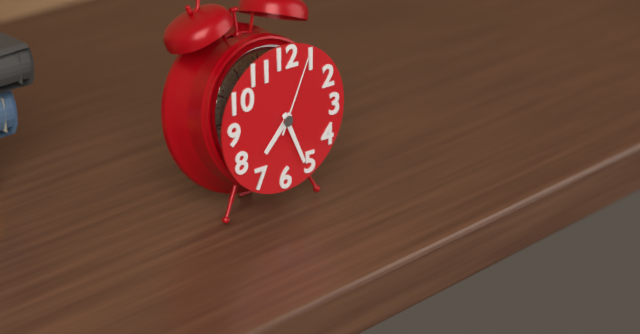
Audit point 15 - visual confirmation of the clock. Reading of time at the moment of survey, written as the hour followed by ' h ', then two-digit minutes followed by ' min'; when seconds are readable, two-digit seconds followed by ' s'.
7 h 26 min 04 s
